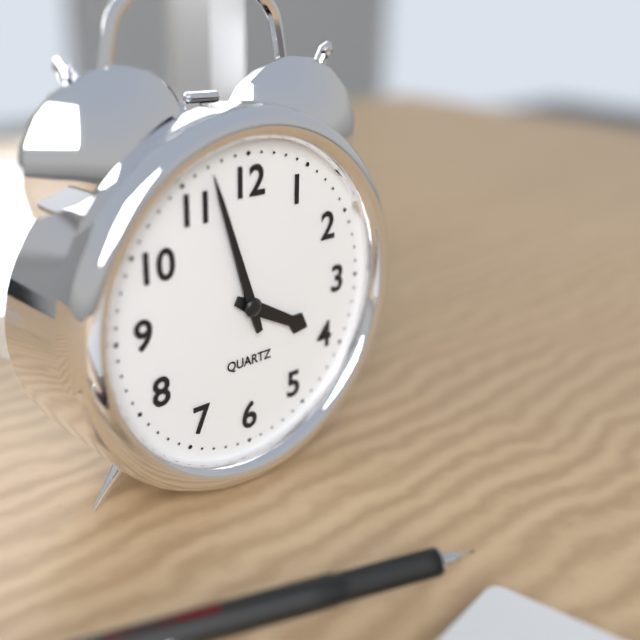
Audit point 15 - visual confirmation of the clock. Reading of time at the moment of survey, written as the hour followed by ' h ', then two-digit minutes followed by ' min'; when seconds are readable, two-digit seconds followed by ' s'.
3 h 57 min
